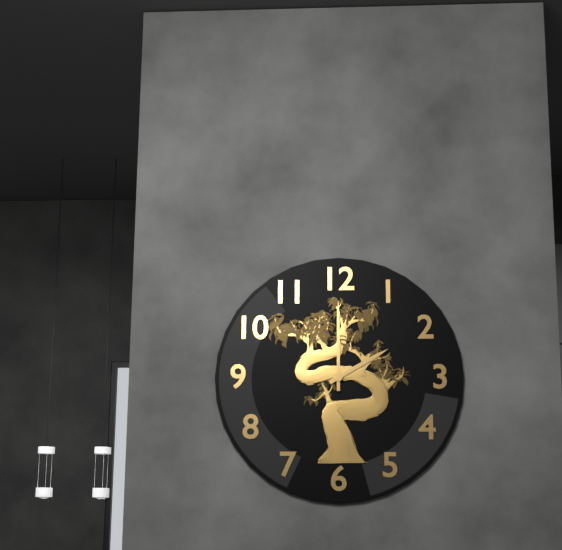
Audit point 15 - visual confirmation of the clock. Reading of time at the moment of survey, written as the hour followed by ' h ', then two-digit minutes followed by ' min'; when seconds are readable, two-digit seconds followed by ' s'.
2 h 00 min
